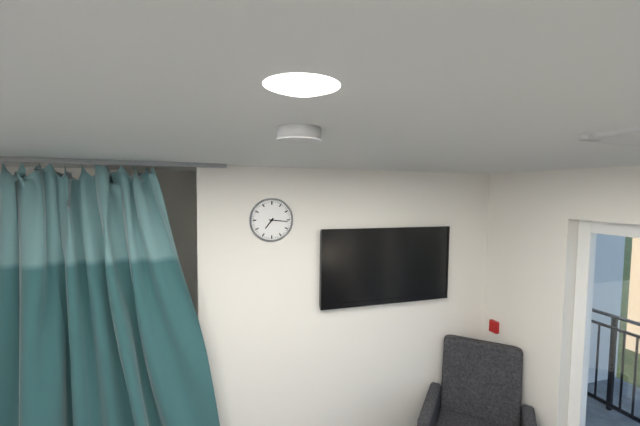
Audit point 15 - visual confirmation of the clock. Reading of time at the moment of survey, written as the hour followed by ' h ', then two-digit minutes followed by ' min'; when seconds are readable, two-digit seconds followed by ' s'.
7 h 16 min
